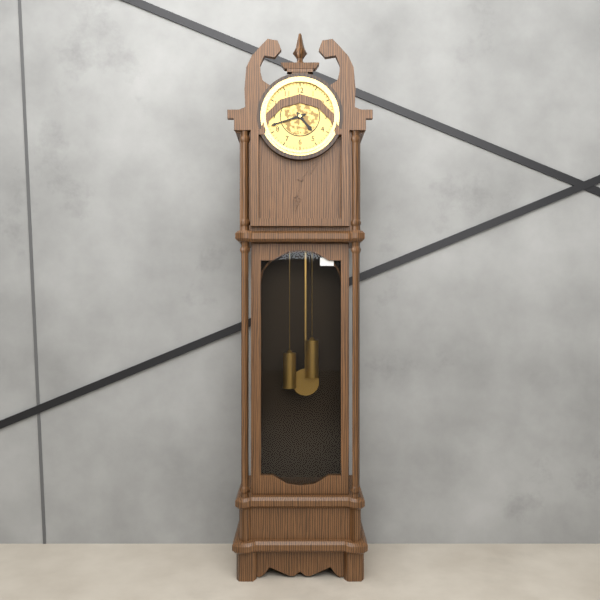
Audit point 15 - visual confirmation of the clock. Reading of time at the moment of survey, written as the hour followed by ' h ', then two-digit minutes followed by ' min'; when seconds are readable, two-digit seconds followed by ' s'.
4 h 42 min
